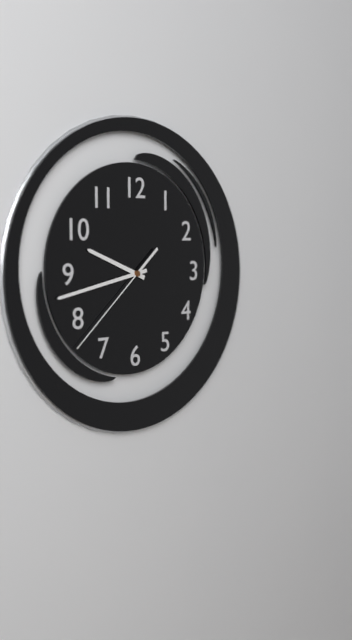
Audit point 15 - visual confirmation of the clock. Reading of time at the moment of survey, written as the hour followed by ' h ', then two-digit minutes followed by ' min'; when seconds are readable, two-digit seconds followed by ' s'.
9 h 43 min 38 s
